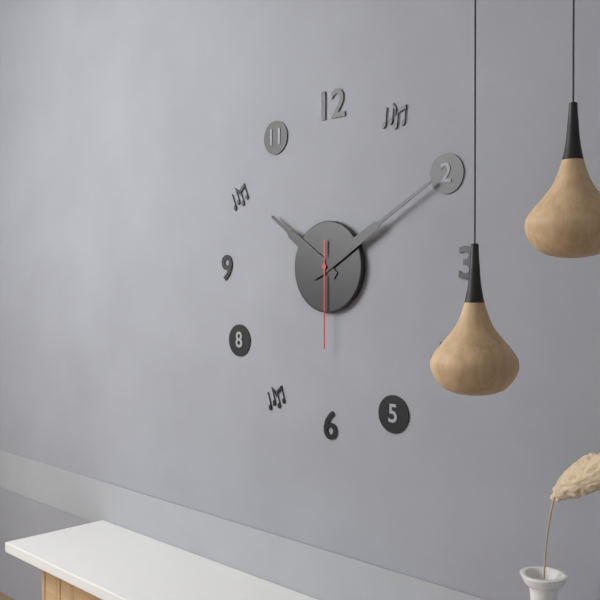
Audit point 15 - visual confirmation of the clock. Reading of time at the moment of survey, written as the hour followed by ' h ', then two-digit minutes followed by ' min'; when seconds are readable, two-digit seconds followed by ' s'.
10 h 10 min 30 s
